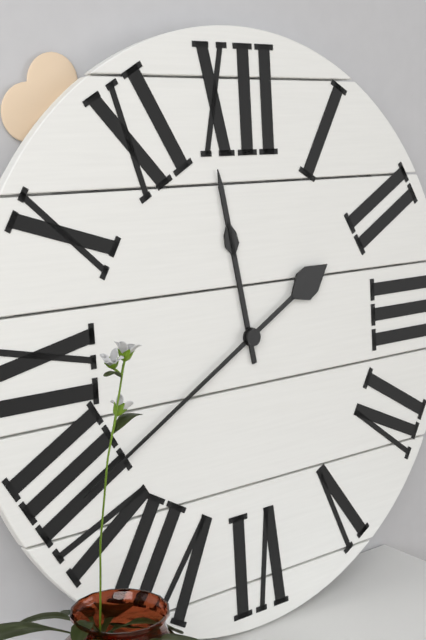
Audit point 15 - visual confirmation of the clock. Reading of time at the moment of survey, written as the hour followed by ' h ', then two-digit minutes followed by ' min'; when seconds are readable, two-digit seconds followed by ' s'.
11 h 40 min
